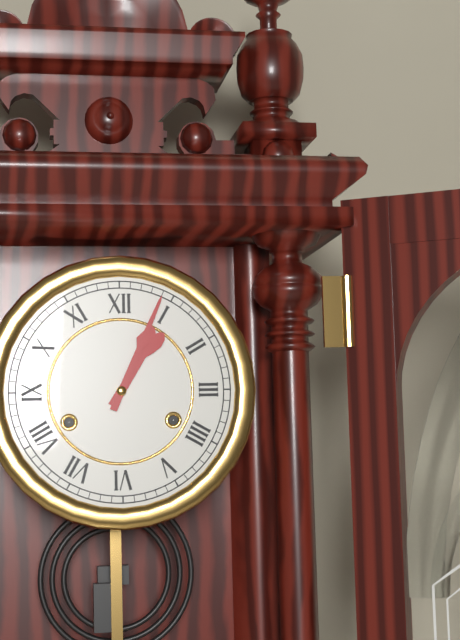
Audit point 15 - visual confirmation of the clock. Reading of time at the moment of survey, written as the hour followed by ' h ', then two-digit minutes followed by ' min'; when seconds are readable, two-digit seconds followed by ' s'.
1 h 04 min
